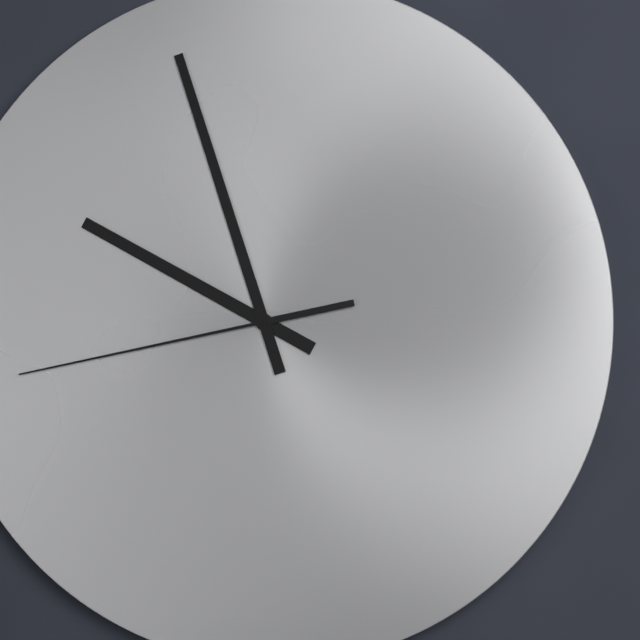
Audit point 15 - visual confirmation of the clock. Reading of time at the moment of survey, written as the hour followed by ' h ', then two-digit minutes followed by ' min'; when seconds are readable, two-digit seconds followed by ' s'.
9 h 57 min 43 s
